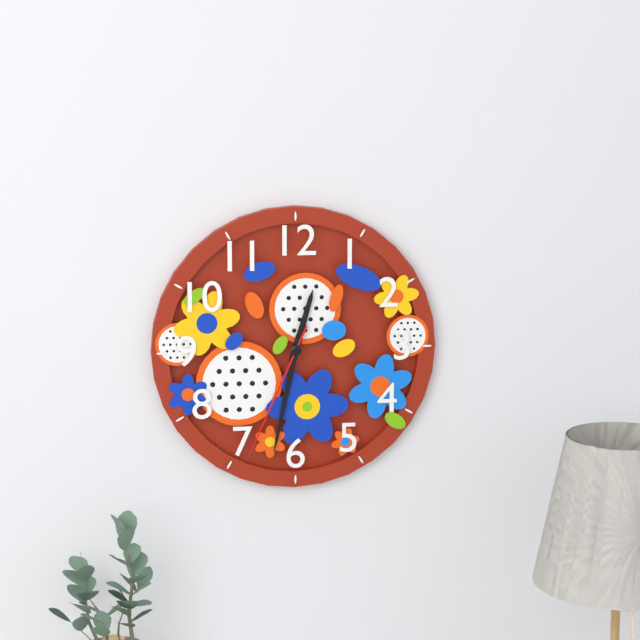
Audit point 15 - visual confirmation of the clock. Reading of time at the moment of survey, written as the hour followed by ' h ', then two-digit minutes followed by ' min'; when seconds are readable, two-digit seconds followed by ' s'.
12 h 32 min 34 s
